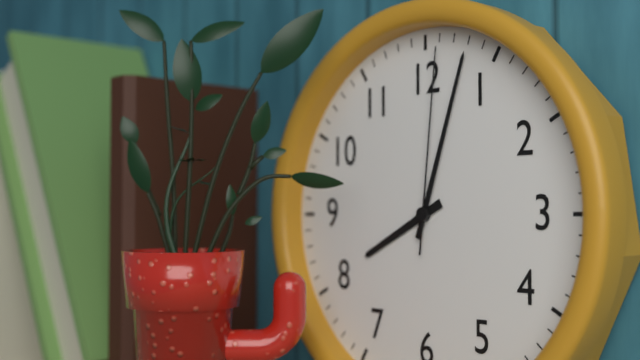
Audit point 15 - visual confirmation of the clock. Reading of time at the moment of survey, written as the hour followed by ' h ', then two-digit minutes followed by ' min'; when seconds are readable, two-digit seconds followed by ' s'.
8 h 03 min 01 s
